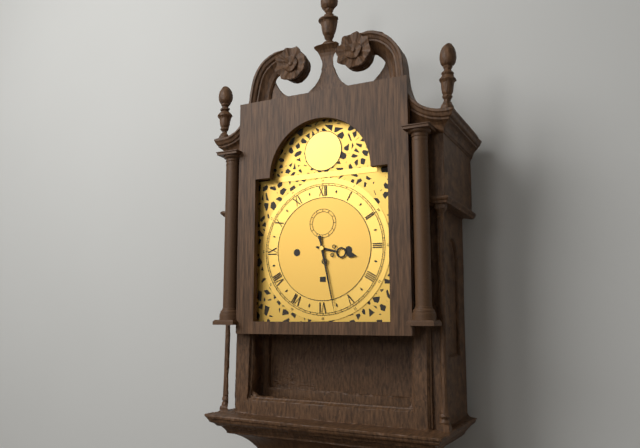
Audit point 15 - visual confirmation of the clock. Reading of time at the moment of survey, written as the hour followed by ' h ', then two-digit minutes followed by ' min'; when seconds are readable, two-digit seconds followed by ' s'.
3 h 28 min
